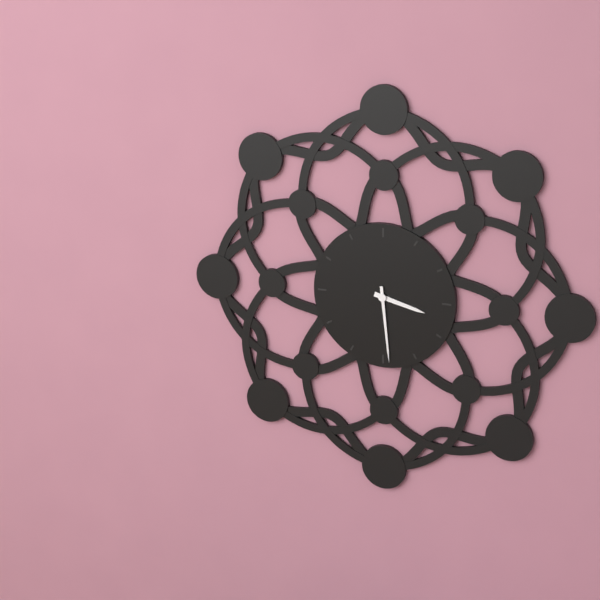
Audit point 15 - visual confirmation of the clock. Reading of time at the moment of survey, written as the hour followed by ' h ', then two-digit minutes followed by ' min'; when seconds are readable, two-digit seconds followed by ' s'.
3 h 29 min
